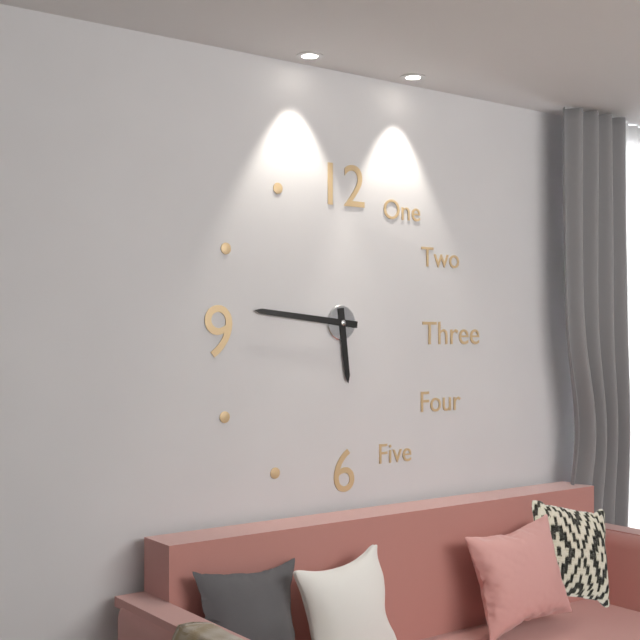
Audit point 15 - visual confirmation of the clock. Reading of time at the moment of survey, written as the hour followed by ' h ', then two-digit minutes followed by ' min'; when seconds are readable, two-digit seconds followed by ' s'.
5 h 46 min
